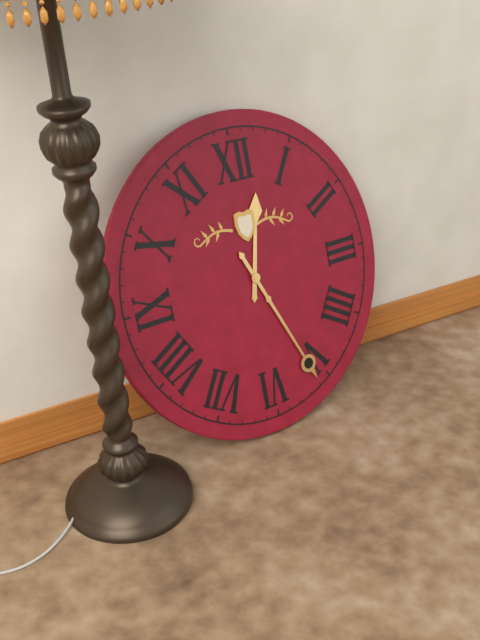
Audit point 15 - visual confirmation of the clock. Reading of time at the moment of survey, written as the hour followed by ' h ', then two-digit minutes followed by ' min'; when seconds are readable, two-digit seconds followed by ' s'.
12 h 26 min
